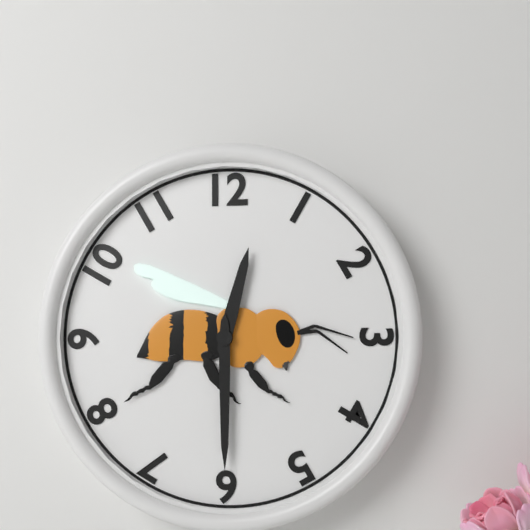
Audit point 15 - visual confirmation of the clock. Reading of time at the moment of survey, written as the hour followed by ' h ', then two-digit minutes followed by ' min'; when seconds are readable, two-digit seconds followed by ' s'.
12 h 30 min
